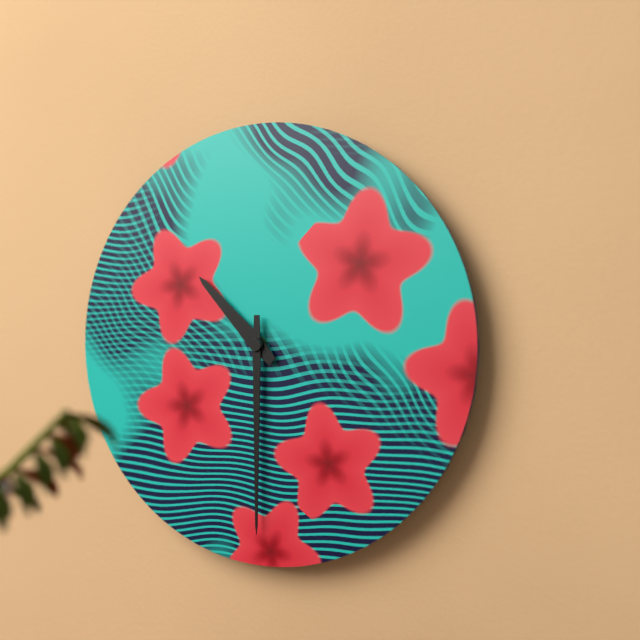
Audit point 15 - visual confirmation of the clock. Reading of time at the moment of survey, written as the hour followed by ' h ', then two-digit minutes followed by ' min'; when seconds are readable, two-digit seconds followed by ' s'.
10 h 30 min
